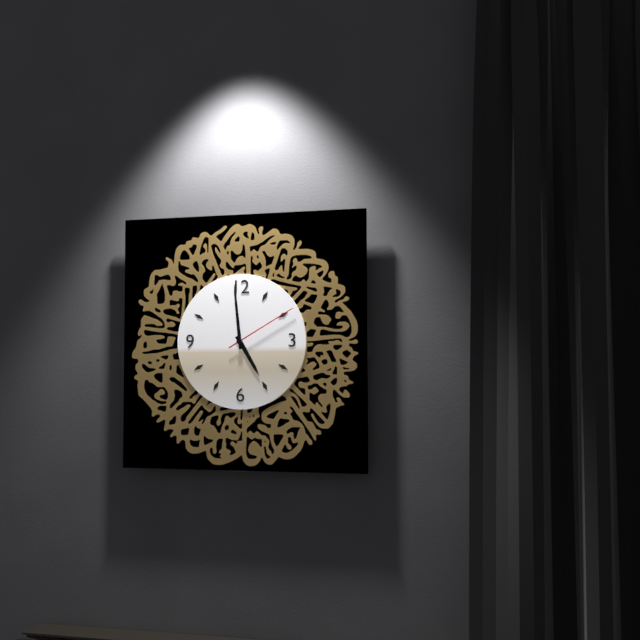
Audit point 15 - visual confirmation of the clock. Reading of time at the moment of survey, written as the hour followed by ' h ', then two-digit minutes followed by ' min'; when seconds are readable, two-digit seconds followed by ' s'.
4 h 59 min 10 s
